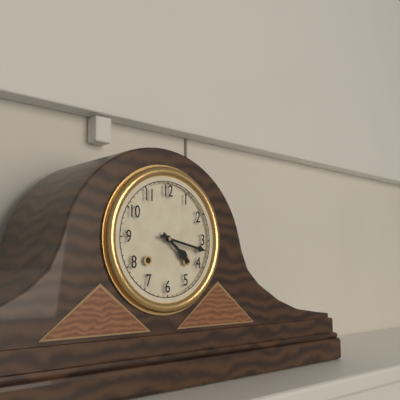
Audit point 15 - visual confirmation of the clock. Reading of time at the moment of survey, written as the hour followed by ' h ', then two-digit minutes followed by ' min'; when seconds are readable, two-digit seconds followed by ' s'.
4 h 17 min
